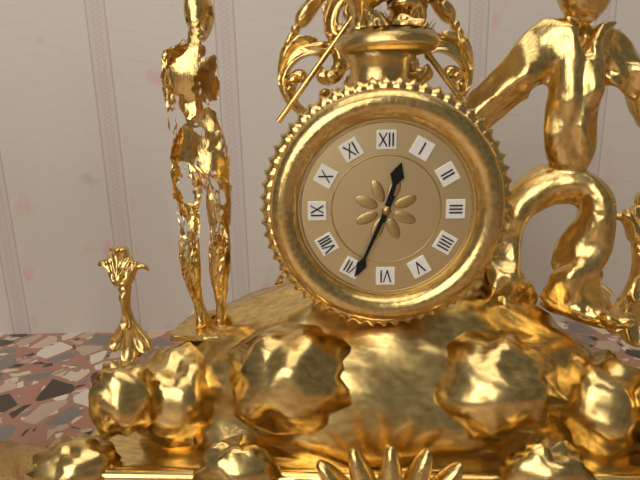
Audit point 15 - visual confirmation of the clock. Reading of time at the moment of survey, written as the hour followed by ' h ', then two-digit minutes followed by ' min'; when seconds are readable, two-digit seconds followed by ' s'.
12 h 34 min
